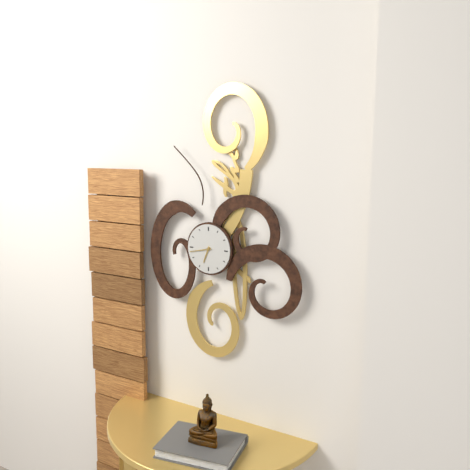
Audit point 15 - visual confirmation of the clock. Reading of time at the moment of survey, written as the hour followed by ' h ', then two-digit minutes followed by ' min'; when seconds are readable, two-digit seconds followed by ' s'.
6 h 43 min
